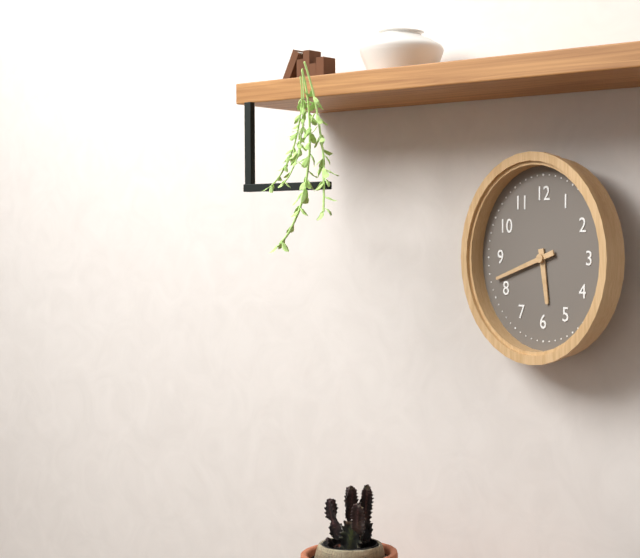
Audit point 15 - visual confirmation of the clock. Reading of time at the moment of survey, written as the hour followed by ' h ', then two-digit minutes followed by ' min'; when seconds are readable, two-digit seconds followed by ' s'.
5 h 42 min
